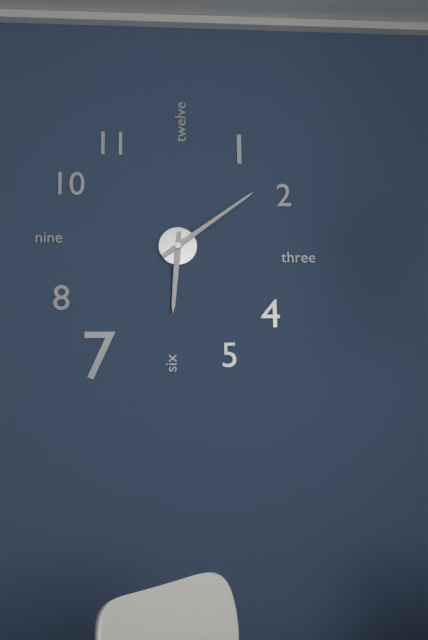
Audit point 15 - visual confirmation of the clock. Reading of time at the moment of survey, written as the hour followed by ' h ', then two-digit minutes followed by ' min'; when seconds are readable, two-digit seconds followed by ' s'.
6 h 09 min
